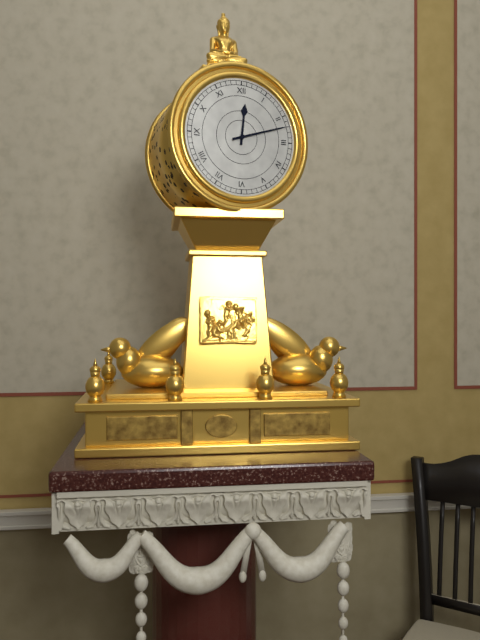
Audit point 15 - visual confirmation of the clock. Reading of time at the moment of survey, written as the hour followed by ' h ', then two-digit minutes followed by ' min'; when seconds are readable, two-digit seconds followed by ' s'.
12 h 12 min
